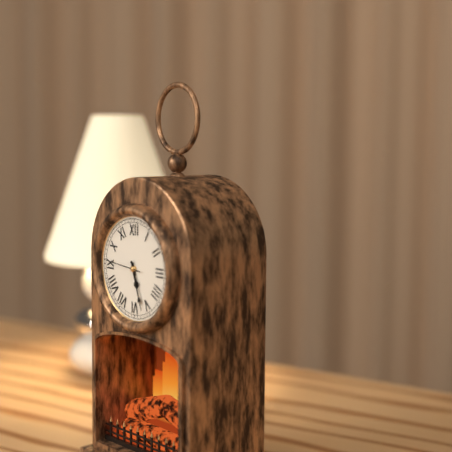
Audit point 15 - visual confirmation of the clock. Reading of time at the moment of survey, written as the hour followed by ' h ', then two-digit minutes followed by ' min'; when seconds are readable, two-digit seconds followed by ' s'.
5 h 27 min 46 s
